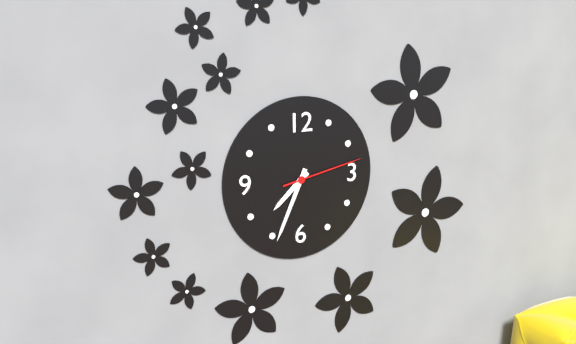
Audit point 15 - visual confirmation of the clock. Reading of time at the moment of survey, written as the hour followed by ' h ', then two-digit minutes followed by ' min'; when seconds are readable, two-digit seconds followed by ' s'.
7 h 34 min 13 s
